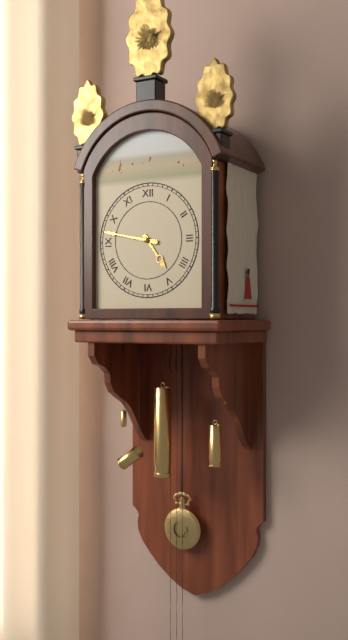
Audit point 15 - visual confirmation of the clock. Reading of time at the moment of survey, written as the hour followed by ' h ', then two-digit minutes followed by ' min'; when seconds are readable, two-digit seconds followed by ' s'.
4 h 47 min
